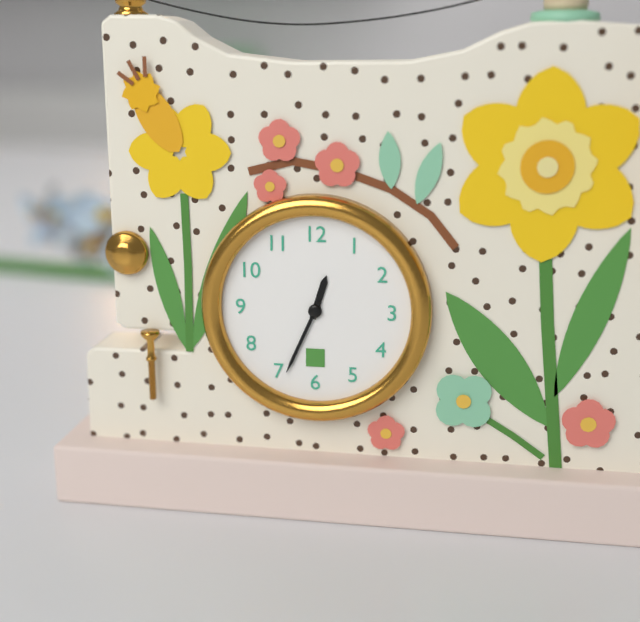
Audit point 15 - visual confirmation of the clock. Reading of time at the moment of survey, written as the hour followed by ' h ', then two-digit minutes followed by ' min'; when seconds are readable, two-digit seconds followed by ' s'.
12 h 34 min
